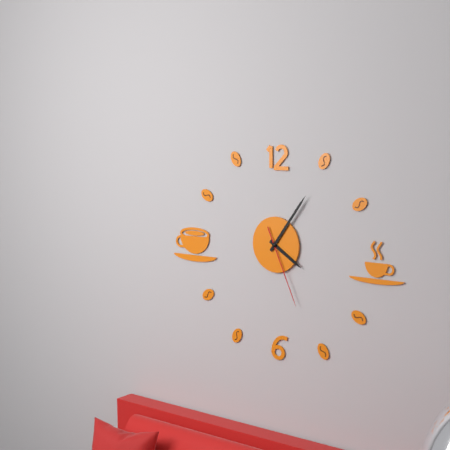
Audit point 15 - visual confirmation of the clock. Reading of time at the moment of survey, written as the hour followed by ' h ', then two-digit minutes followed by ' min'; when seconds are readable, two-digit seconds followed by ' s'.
4 h 06 min 26 s
